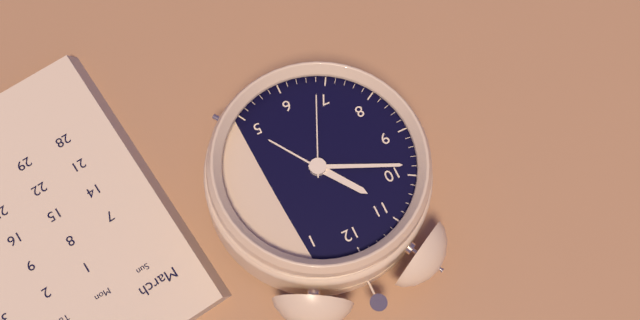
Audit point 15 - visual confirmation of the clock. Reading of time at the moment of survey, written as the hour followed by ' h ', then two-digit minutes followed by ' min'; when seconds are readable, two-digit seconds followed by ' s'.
10 h 49 min 34 s
